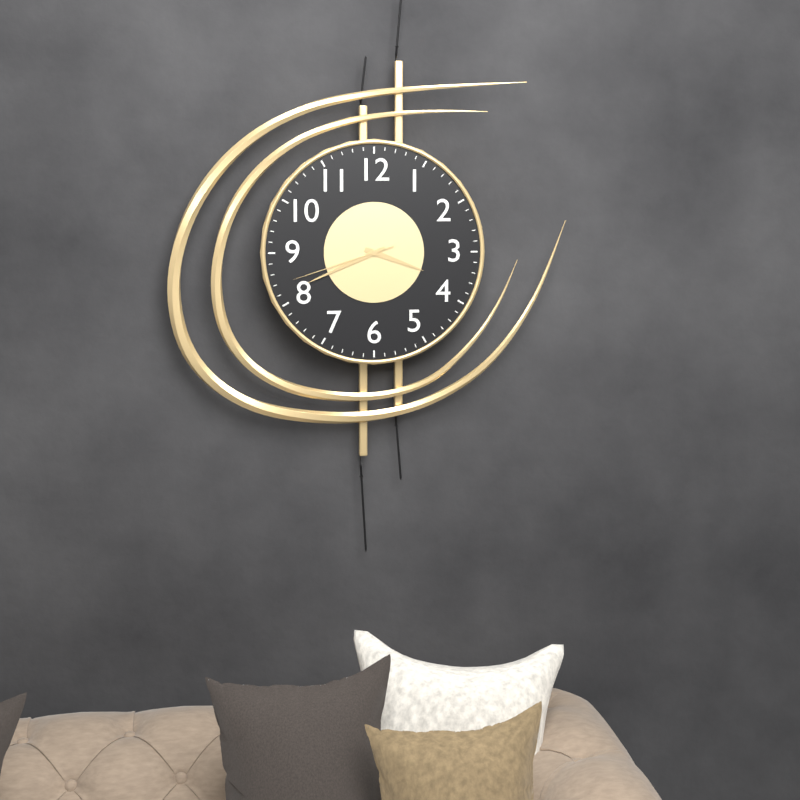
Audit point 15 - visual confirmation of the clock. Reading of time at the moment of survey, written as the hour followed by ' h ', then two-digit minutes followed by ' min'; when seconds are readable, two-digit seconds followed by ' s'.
3 h 41 min 42 s
